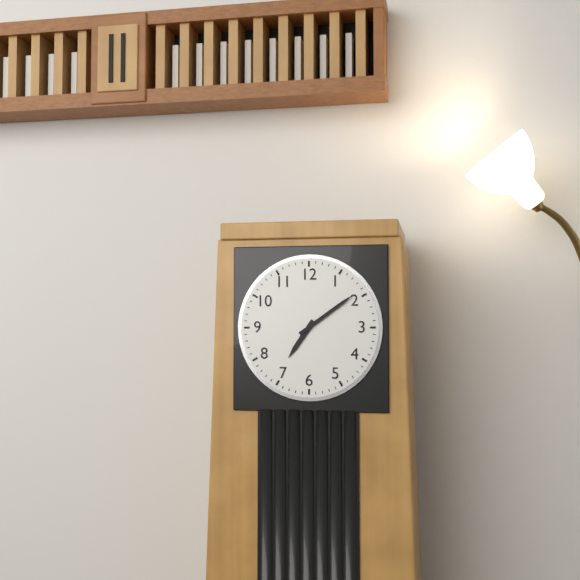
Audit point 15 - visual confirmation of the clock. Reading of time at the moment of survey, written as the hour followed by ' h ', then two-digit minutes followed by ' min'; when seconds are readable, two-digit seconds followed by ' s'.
7 h 09 min
